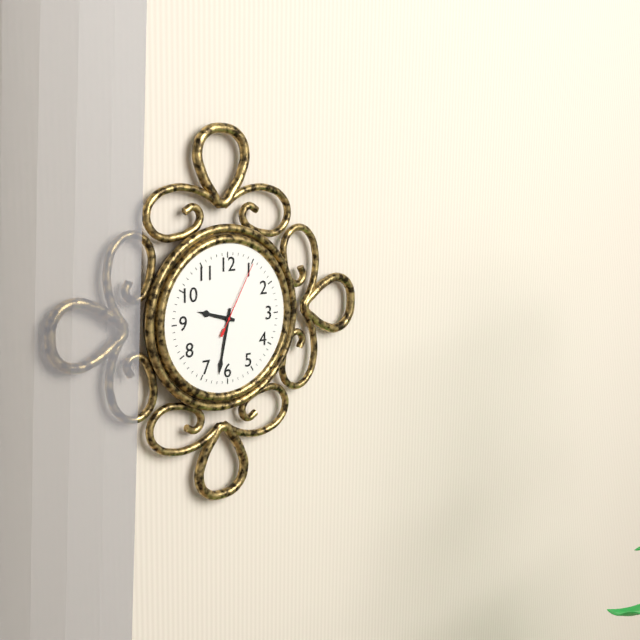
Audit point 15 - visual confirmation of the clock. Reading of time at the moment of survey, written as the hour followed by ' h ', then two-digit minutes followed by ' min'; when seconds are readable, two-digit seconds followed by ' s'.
9 h 32 min 05 s
